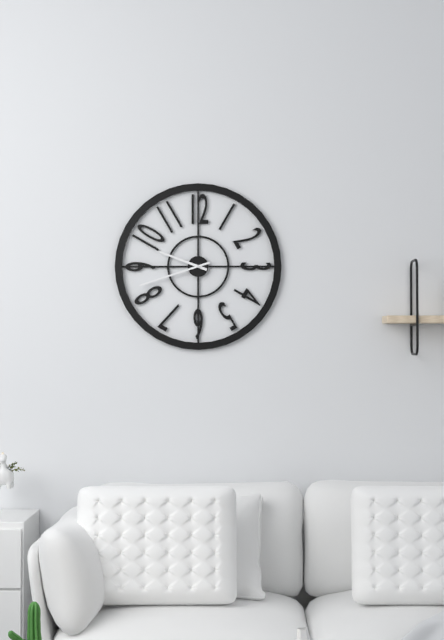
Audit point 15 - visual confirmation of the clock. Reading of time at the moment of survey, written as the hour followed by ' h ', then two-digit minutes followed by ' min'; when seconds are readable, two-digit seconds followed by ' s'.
9 h 42 min
